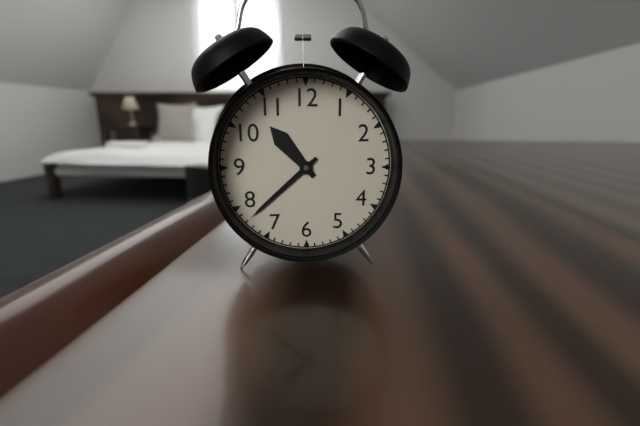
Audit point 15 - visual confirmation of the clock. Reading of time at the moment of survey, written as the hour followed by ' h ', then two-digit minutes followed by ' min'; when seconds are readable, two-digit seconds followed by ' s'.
10 h 38 min
